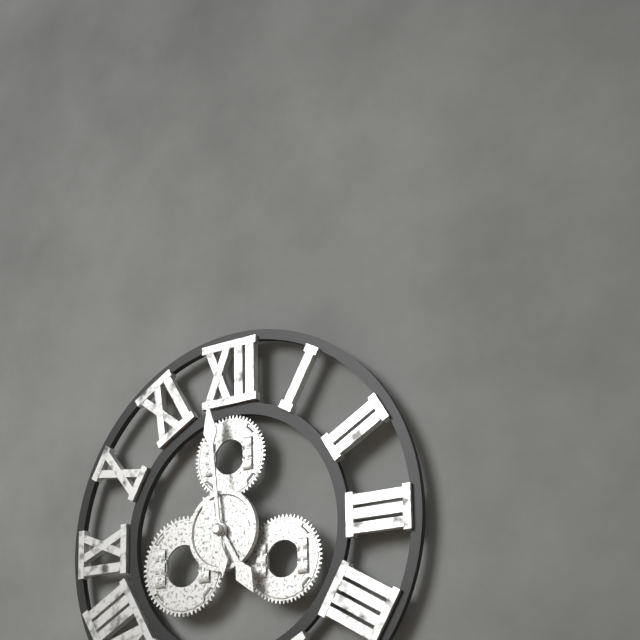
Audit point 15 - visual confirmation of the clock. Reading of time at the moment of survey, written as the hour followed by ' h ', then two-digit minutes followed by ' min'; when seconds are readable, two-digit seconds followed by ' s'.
4 h 59 min
